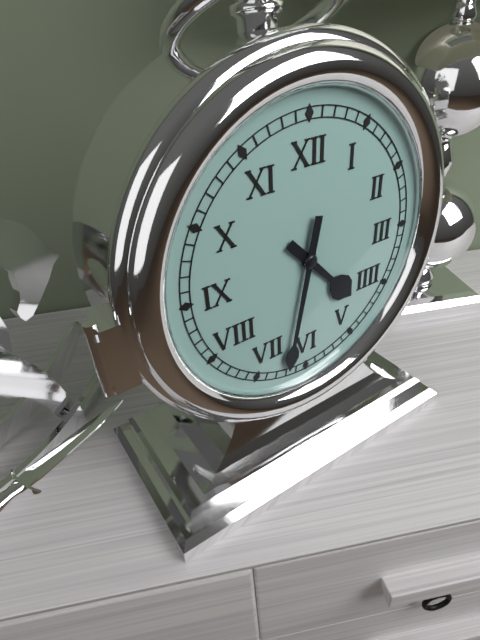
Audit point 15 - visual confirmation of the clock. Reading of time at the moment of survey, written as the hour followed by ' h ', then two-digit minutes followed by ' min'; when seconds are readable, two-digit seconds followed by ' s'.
4 h 32 min
